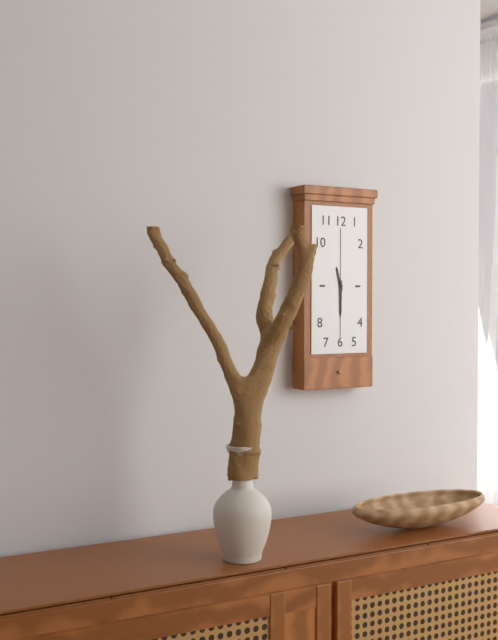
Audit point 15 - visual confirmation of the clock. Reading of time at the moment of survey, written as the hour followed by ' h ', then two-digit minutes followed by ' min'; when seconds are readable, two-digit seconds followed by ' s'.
11 h 30 min
